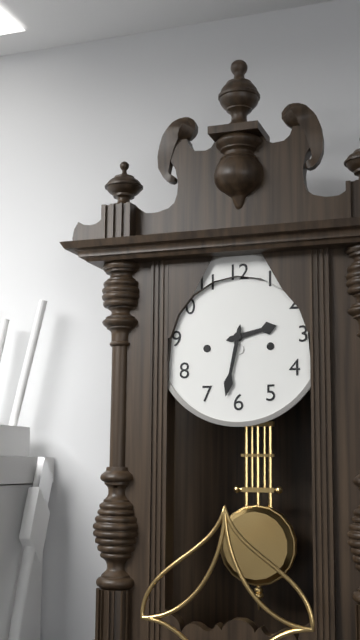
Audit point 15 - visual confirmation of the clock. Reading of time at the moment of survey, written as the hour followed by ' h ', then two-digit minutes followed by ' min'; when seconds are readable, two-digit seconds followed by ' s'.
2 h 32 min
